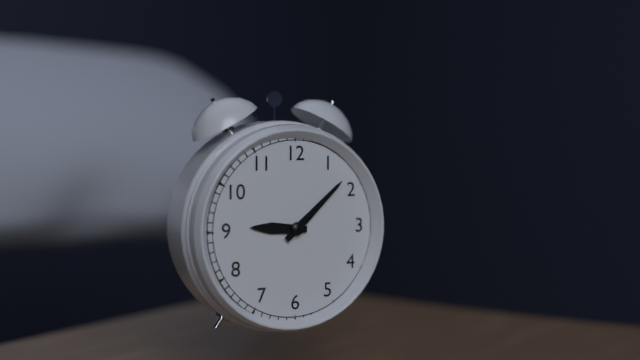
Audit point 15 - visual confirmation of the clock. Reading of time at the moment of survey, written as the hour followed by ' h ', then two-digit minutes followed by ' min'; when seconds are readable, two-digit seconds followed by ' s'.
9 h 08 min
